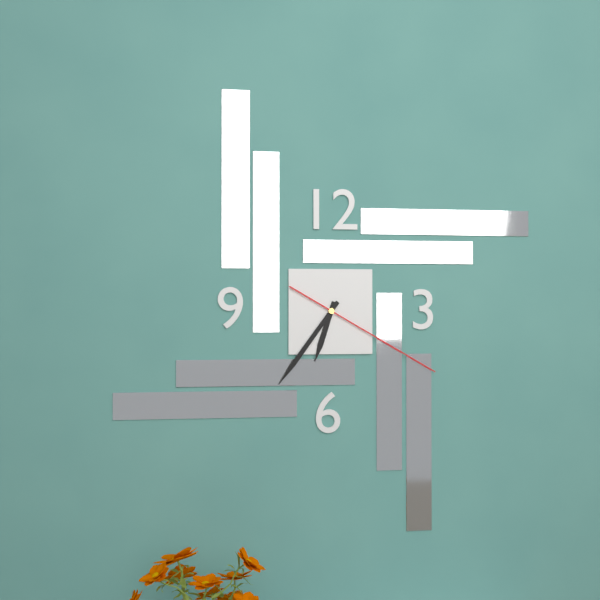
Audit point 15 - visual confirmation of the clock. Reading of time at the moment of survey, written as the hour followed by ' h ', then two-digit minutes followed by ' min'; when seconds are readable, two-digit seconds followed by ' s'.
6 h 36 min 20 s
